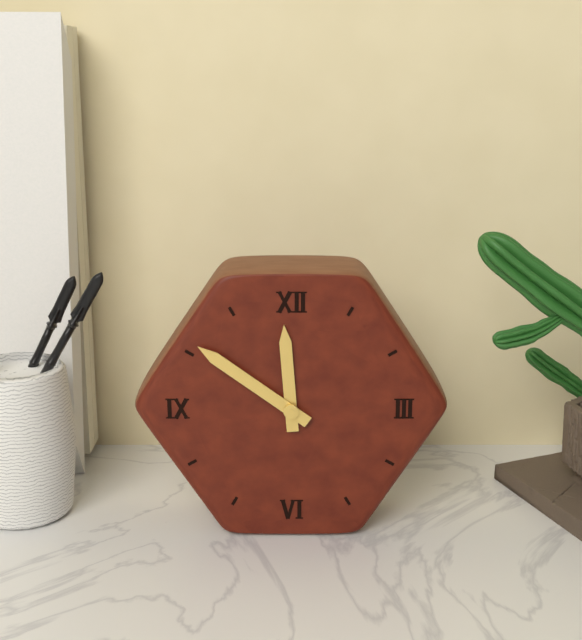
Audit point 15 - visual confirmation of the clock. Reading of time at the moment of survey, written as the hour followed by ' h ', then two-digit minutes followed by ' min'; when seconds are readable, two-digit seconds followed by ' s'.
11 h 51 min
